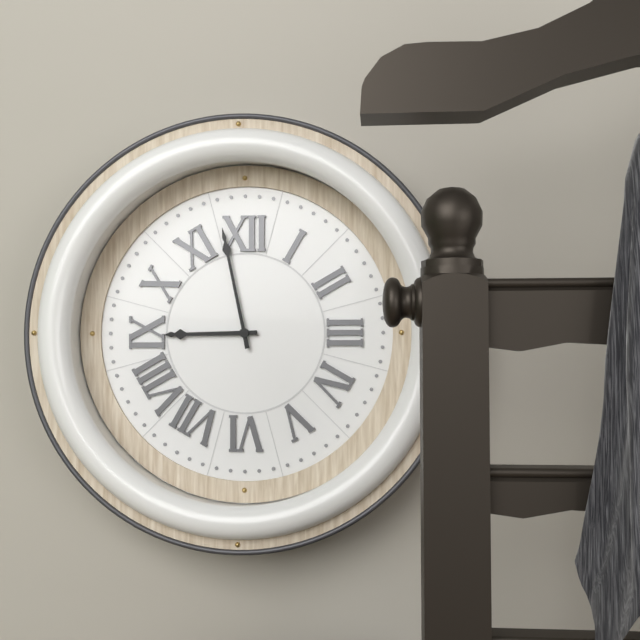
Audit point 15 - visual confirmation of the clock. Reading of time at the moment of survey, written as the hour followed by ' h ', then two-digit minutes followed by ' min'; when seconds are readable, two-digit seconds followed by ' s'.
8 h 58 min
